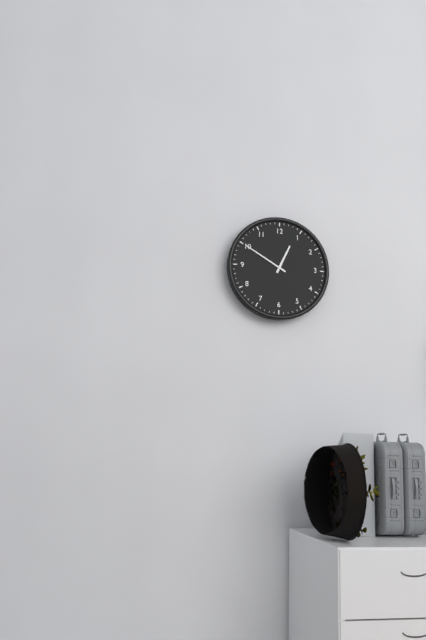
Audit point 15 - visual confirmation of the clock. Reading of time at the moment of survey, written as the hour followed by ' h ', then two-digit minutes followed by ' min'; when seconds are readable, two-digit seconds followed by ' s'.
12 h 50 min
